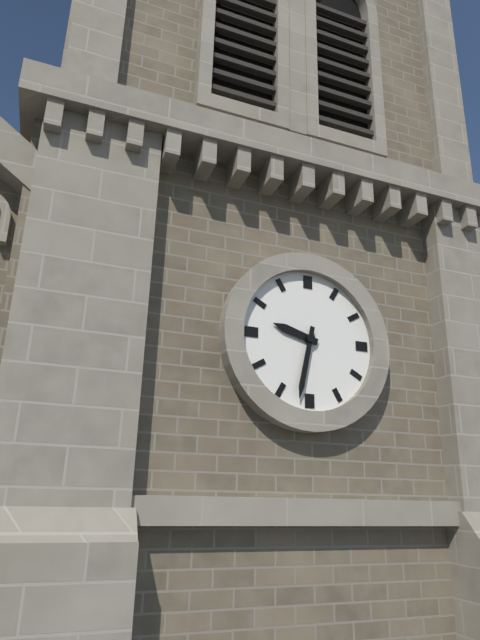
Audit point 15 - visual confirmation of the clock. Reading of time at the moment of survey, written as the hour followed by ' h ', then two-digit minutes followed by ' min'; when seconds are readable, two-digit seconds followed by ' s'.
9 h 32 min
